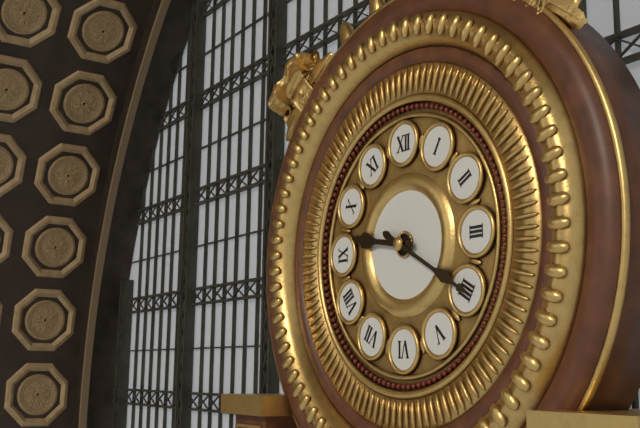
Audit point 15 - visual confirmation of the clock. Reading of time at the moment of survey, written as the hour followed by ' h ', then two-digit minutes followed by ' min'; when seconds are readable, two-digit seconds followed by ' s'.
9 h 20 min
